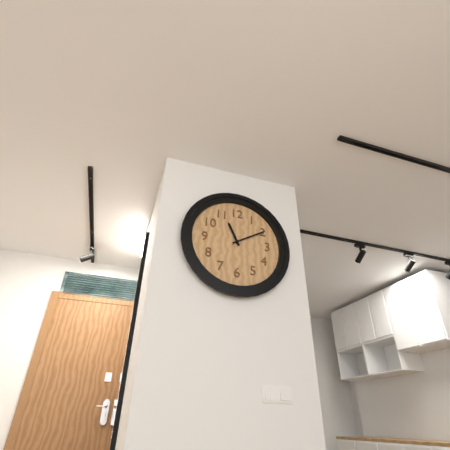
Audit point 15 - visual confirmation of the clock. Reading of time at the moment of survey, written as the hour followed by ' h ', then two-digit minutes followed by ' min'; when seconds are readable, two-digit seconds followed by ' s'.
11 h 10 min
